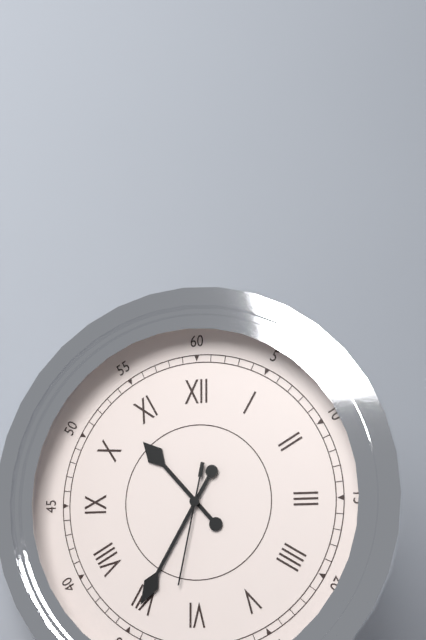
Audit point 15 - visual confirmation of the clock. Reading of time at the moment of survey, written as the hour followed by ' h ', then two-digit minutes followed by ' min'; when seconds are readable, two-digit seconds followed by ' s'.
10 h 35 min 32 s
